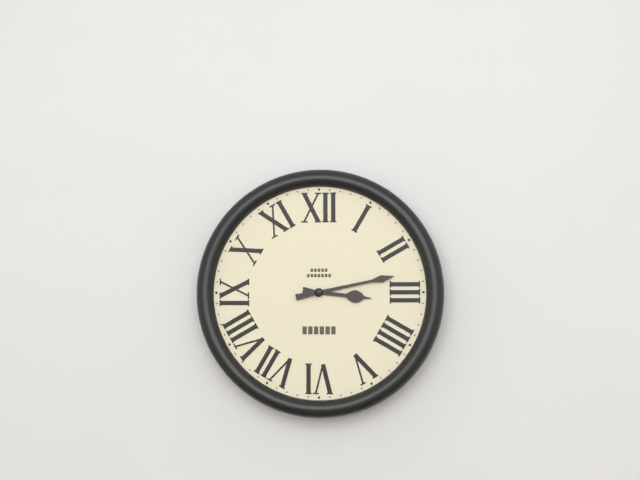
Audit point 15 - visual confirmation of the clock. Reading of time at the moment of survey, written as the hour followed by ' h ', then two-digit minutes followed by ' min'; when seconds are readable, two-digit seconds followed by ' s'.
3 h 13 min
